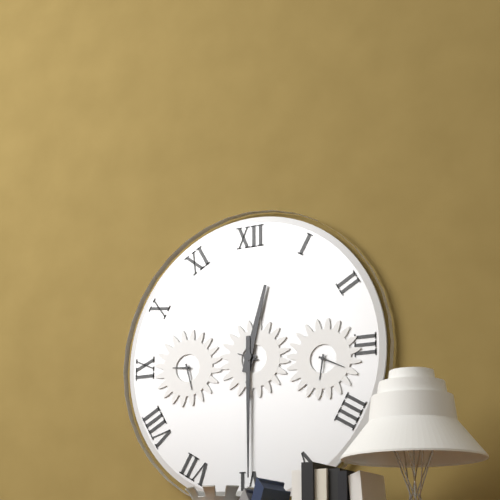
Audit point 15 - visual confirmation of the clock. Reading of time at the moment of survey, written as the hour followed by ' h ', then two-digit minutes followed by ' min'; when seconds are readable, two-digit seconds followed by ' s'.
12 h 30 min
